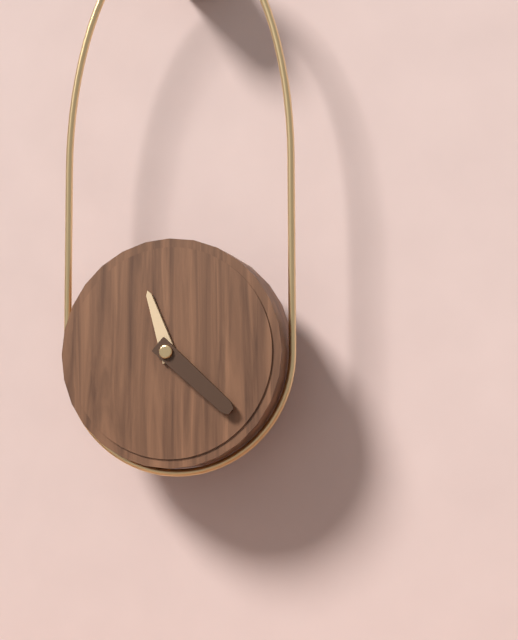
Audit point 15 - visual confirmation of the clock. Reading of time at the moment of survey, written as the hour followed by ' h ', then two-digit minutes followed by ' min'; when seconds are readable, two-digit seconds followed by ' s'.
11 h 22 min
